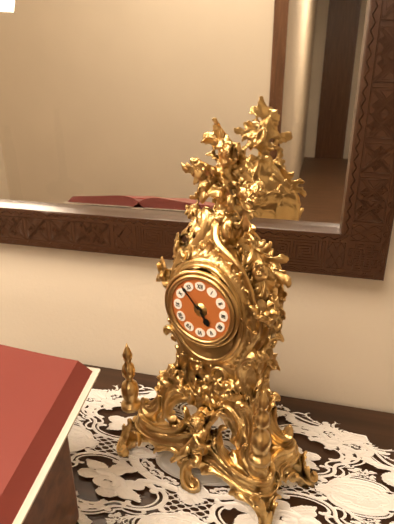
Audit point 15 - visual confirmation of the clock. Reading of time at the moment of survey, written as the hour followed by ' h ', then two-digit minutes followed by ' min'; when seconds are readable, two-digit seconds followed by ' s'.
4 h 53 min
